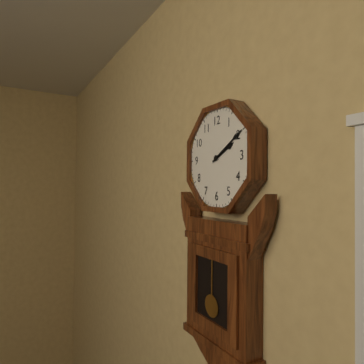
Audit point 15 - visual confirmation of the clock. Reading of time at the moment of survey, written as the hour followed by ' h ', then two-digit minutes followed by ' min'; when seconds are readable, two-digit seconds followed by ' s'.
2 h 10 min
